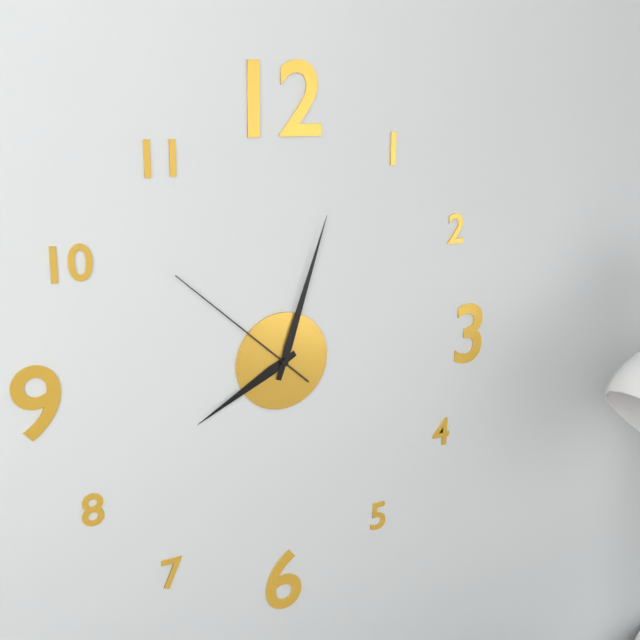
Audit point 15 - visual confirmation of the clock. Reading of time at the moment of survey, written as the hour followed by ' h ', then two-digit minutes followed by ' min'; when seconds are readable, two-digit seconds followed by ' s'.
8 h 03 min 52 s
